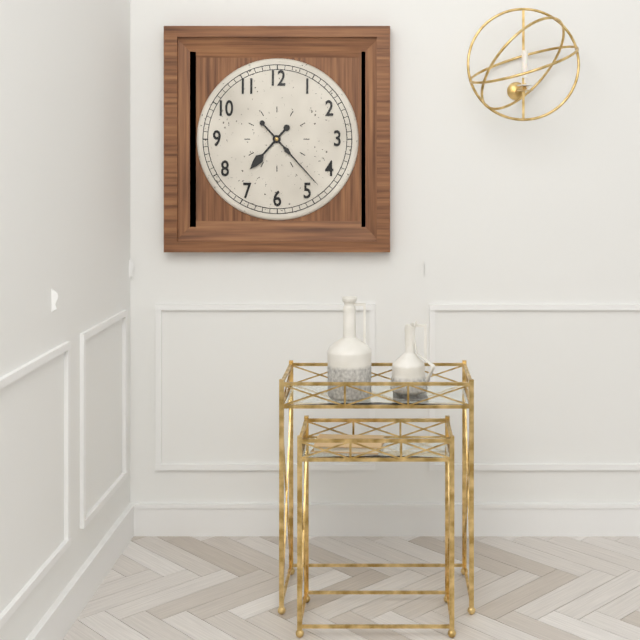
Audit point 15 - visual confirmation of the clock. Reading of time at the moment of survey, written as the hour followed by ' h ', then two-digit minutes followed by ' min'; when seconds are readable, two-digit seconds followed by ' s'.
7 h 23 min
